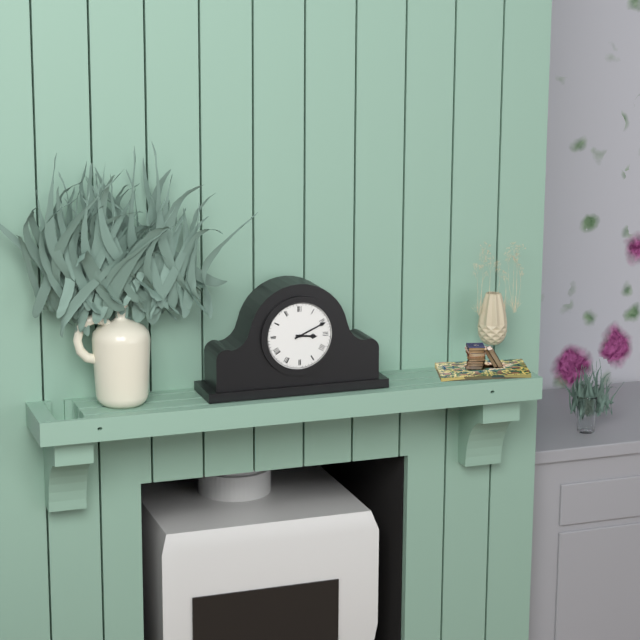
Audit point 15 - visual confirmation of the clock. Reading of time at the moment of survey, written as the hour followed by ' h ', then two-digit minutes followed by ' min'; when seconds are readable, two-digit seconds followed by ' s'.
3 h 11 min
